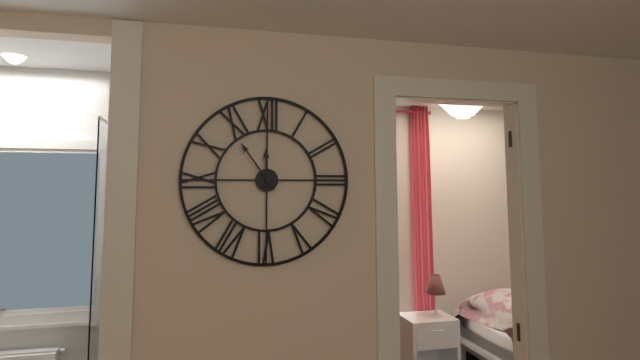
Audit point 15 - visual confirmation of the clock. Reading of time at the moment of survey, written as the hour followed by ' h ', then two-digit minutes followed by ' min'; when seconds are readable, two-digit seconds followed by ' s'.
11 h 54 min
